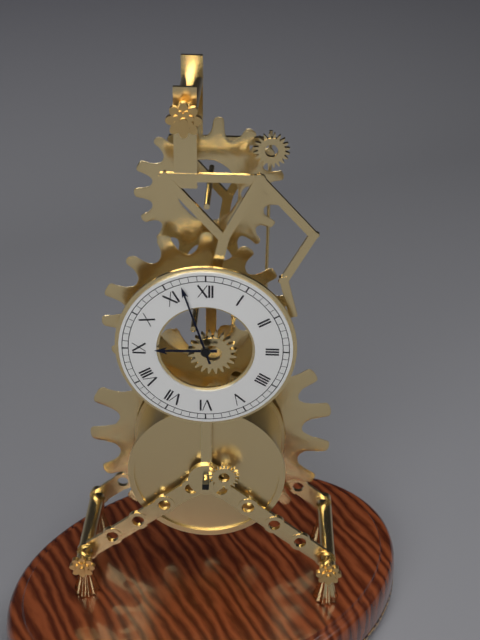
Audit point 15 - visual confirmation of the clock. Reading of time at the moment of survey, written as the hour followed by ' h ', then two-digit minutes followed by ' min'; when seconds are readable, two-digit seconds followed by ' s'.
8 h 57 min
